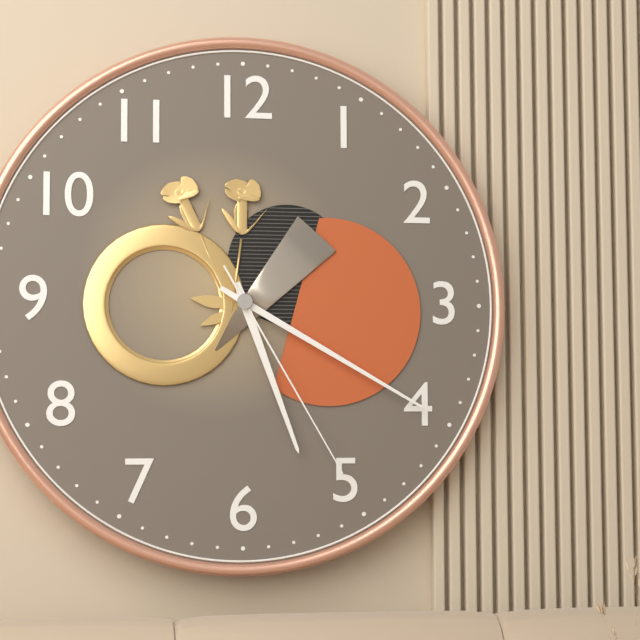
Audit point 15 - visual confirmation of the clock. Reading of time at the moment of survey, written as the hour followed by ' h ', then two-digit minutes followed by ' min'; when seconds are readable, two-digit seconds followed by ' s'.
5 h 20 min 25 s
